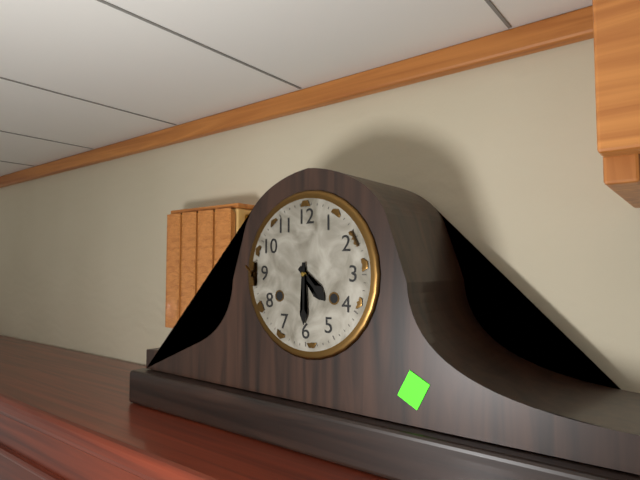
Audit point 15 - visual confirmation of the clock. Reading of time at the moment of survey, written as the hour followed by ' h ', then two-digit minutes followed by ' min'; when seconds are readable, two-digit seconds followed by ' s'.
4 h 30 min
